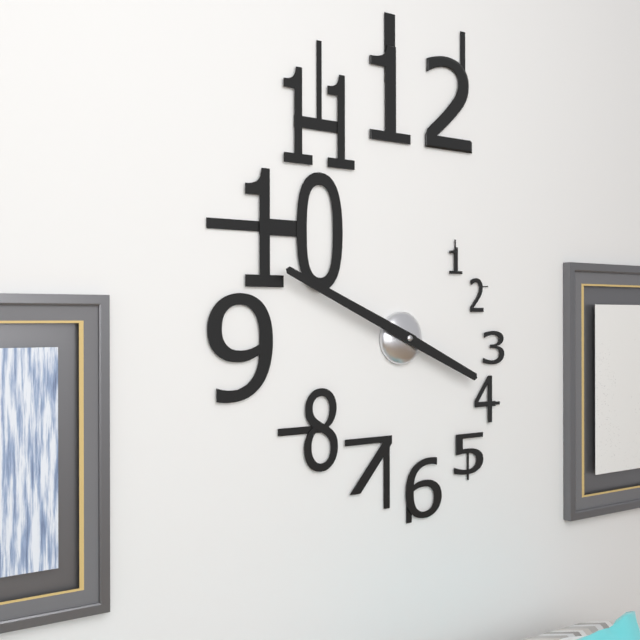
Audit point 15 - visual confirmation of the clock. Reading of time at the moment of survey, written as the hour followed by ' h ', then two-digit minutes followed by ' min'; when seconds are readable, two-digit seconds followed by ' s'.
3 h 49 min
